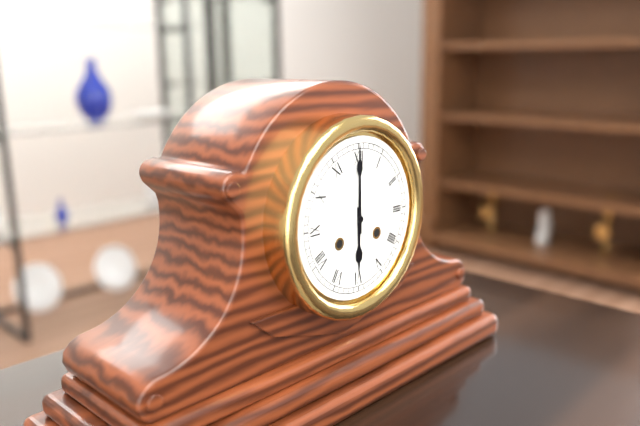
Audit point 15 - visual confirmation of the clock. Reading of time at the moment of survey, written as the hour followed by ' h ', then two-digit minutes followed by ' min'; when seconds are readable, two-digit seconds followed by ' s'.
6 h 00 min
